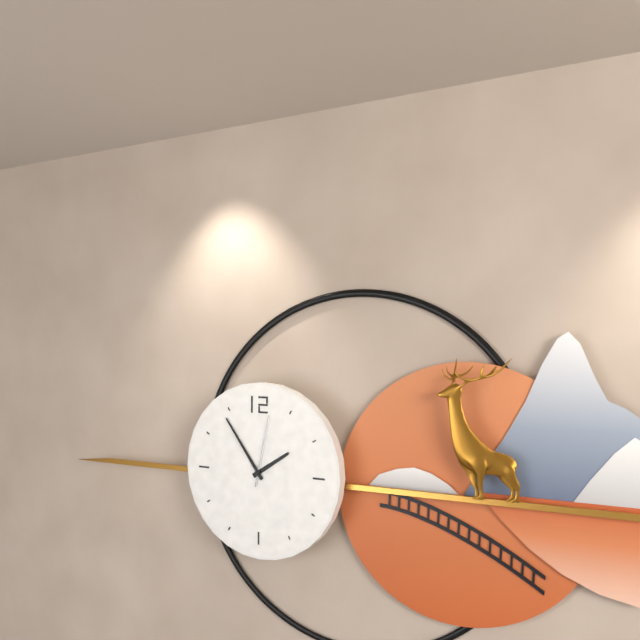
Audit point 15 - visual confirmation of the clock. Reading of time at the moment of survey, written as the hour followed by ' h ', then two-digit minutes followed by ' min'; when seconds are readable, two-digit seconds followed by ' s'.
1 h 54 min 02 s
